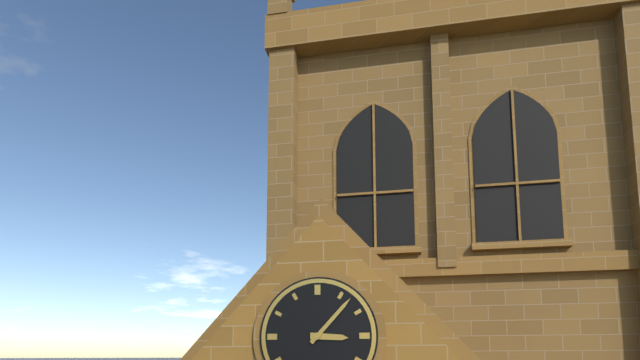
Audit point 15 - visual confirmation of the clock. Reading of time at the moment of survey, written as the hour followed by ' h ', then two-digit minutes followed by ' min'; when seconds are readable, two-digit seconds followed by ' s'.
3 h 07 min
